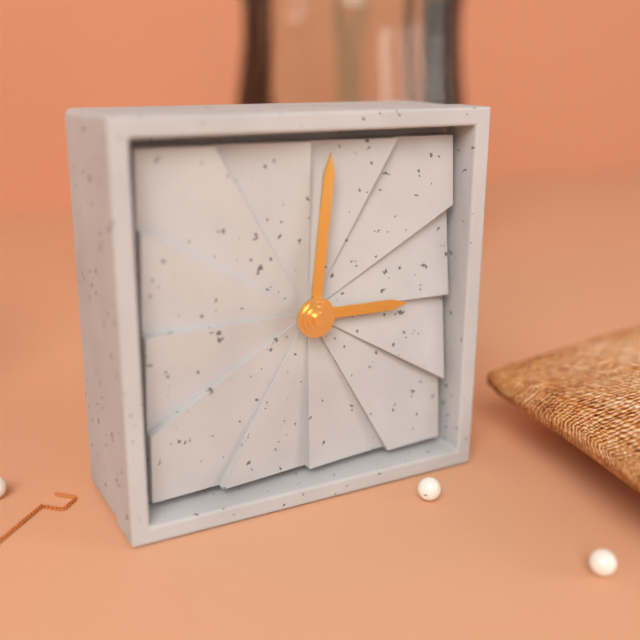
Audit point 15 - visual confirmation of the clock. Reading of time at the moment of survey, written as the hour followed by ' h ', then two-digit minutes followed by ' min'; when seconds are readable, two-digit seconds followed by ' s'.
3 h 01 min
